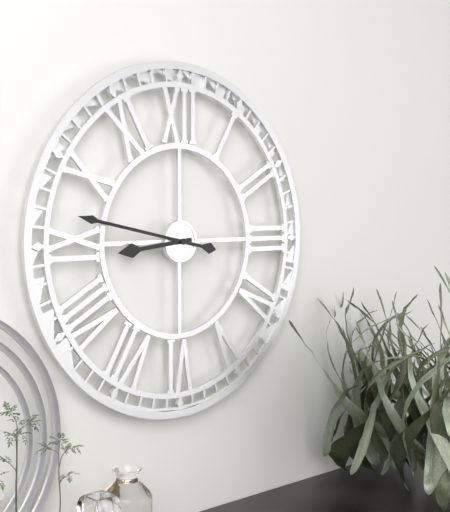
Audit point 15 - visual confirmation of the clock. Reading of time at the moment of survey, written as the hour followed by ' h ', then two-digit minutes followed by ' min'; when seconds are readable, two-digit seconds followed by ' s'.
8 h 47 min
